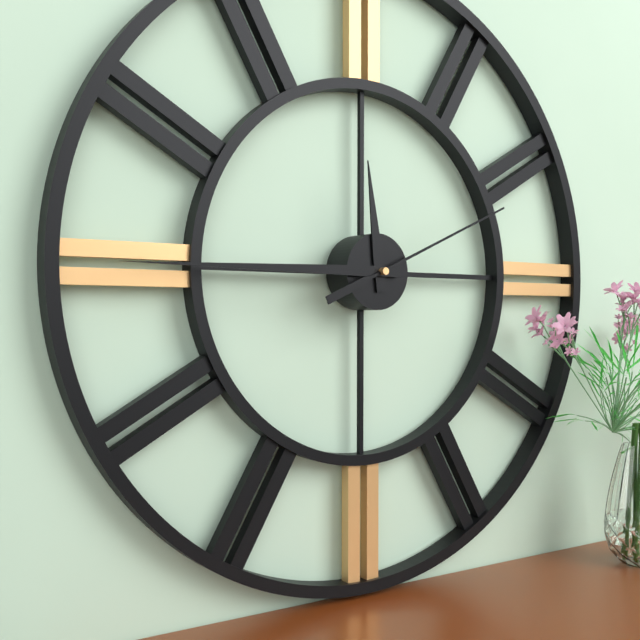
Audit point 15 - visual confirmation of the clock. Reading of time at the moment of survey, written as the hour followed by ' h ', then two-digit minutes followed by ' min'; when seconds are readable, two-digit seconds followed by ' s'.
11 h 45 min 11 s
